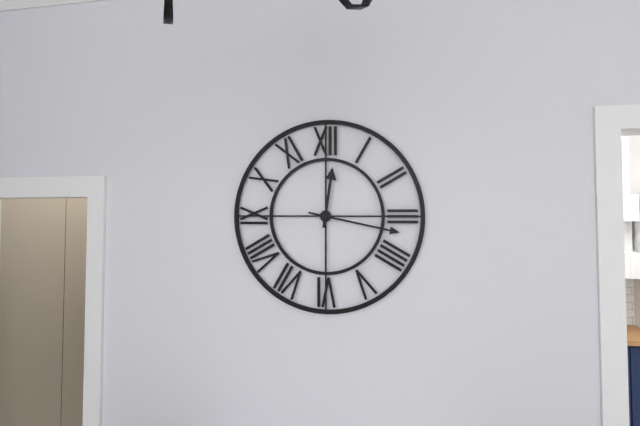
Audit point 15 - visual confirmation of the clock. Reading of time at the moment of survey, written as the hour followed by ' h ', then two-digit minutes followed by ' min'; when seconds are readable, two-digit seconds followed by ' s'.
12 h 17 min
